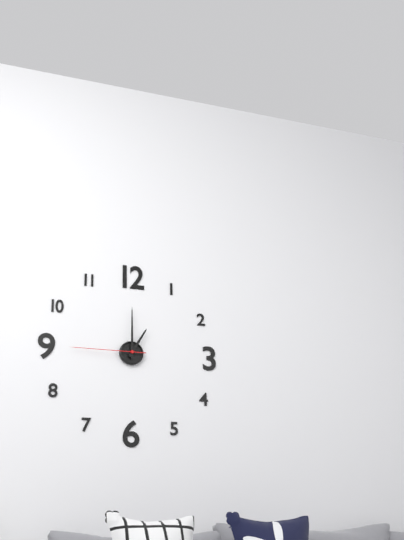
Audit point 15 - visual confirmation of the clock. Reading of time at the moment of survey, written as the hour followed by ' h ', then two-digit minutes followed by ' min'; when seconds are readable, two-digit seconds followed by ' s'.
1 h 00 min 45 s
